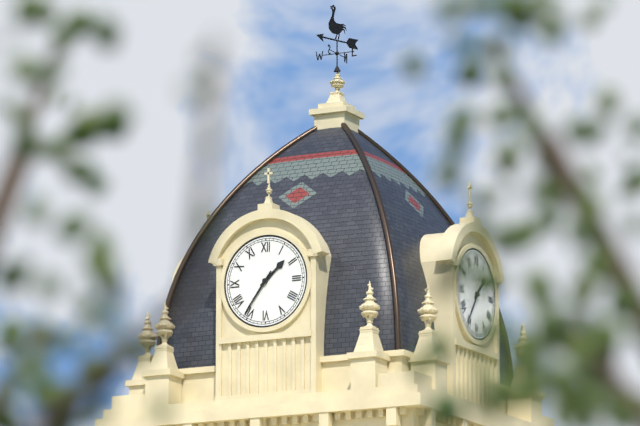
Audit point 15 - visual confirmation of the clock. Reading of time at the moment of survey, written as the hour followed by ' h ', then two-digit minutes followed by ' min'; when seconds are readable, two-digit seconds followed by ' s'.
1 h 36 min
